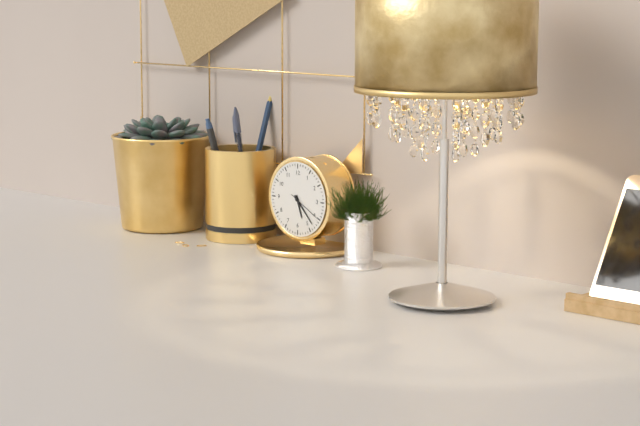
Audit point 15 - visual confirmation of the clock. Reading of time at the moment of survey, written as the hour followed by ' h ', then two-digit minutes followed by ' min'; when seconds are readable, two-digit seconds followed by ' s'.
5 h 23 min
